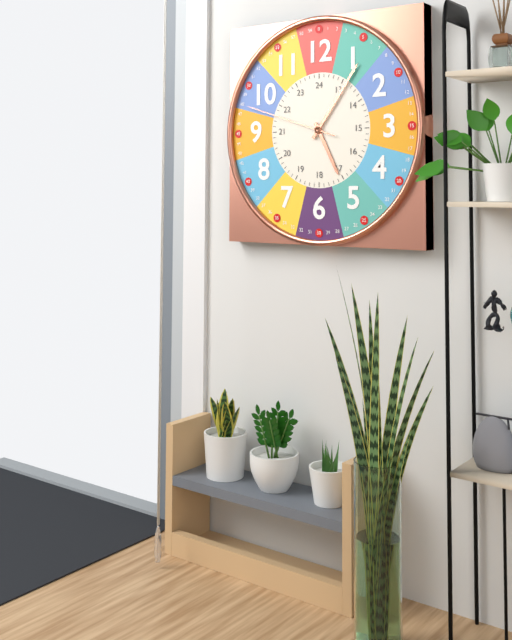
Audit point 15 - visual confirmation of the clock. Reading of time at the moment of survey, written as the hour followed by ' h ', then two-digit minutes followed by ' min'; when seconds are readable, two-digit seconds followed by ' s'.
5 h 06 min 48 s
